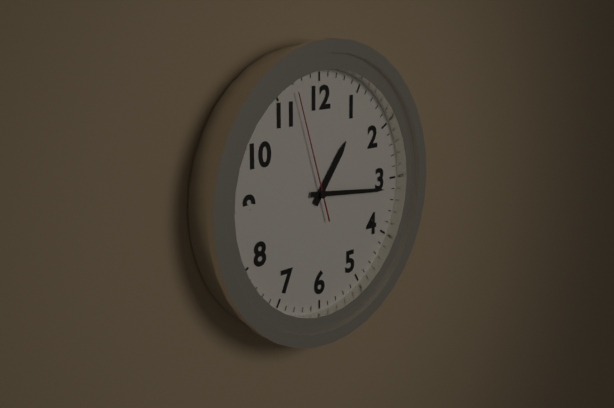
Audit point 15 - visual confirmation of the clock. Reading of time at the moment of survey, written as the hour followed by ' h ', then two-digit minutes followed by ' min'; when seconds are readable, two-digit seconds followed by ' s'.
1 h 16 min 57 s
